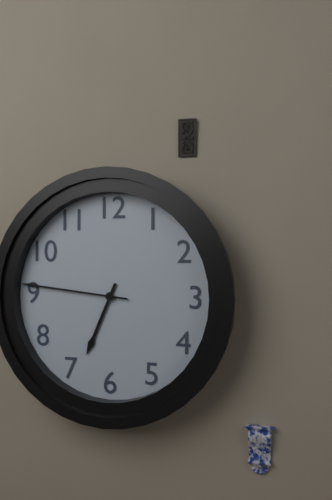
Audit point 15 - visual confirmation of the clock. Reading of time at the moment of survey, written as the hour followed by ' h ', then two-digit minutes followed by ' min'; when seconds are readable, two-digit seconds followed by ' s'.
6 h 46 min
